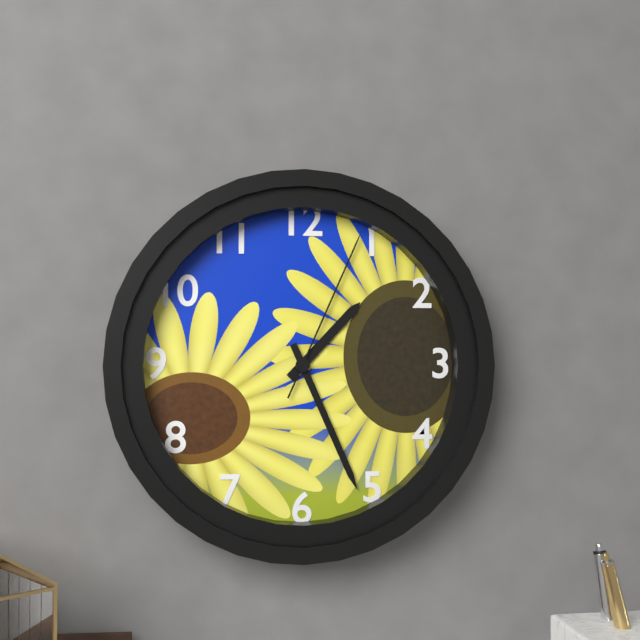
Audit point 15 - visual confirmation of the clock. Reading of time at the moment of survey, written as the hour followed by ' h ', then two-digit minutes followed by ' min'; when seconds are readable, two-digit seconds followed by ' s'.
1 h 26 min 04 s
